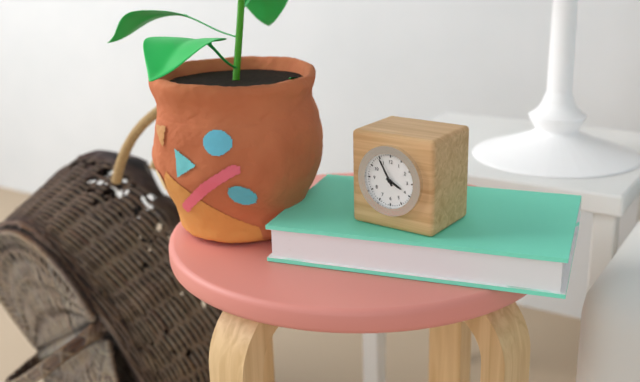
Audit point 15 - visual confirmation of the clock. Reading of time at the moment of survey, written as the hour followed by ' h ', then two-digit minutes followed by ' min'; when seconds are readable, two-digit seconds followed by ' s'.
3 h 55 min
